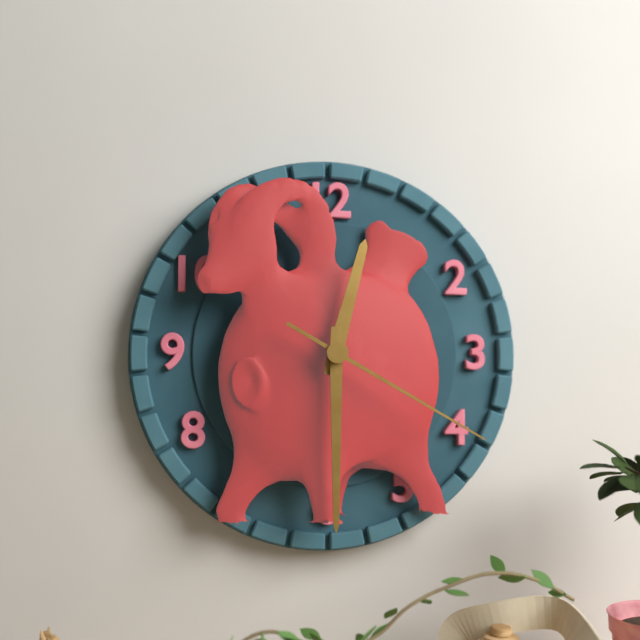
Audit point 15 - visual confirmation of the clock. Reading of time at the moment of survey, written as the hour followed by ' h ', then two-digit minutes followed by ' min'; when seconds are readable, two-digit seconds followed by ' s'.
12 h 30 min 20 s
